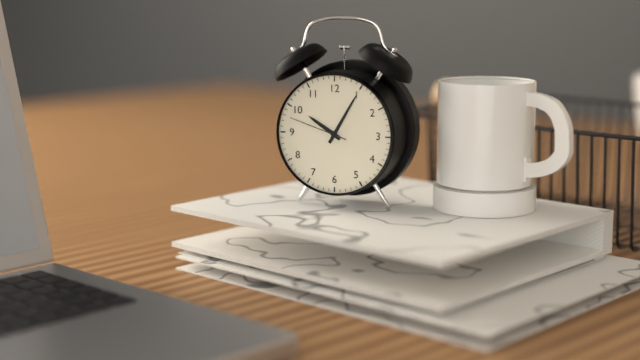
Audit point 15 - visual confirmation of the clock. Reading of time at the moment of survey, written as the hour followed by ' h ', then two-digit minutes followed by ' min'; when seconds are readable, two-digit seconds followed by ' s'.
10 h 05 min 48 s
